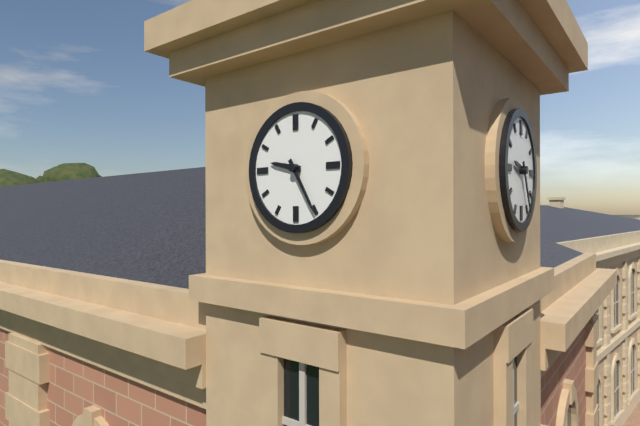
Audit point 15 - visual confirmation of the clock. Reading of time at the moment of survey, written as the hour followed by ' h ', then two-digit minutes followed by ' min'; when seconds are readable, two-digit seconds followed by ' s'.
9 h 25 min
